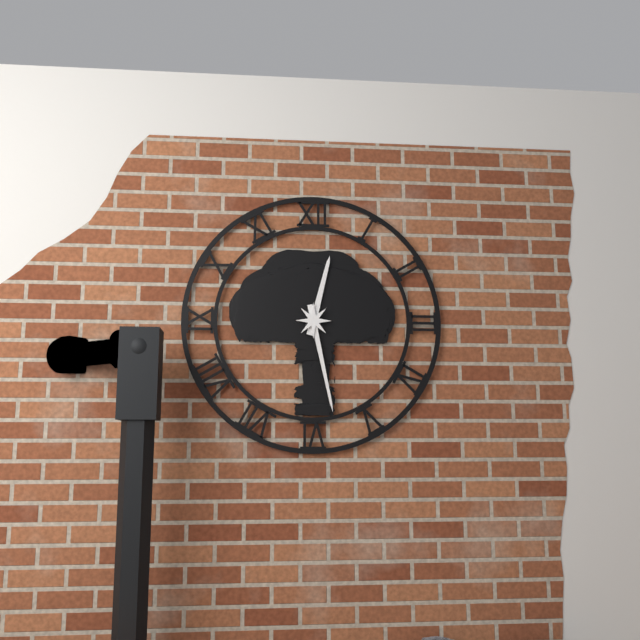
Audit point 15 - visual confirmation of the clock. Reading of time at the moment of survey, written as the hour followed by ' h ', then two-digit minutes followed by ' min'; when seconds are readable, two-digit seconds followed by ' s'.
12 h 28 min
